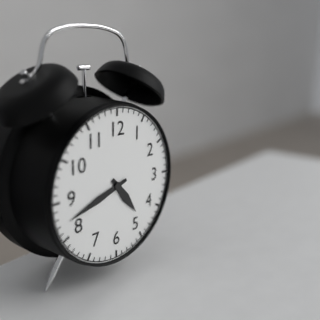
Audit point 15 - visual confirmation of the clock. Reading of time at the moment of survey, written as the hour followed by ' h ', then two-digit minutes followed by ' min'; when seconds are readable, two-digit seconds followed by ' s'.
4 h 42 min
